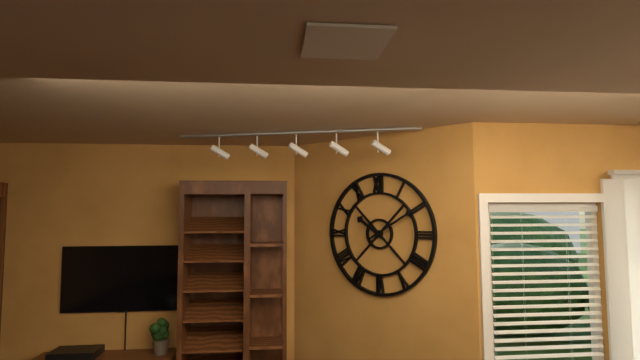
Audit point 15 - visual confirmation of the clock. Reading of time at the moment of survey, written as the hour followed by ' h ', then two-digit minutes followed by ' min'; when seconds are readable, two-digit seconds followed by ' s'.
10 h 10 min
